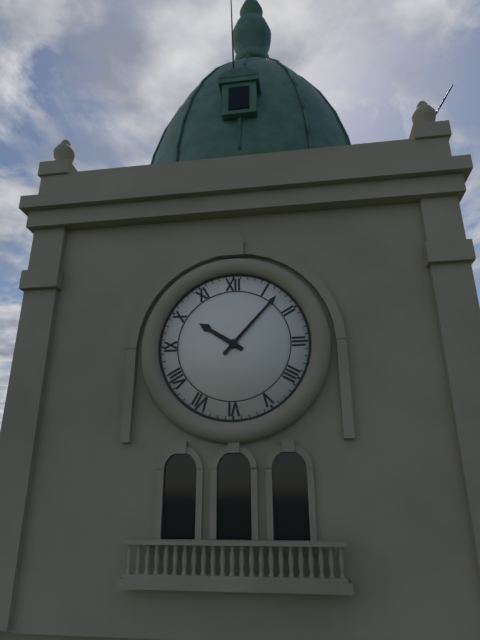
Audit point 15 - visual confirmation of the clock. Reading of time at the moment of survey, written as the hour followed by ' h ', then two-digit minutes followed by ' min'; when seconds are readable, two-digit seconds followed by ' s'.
10 h 07 min
